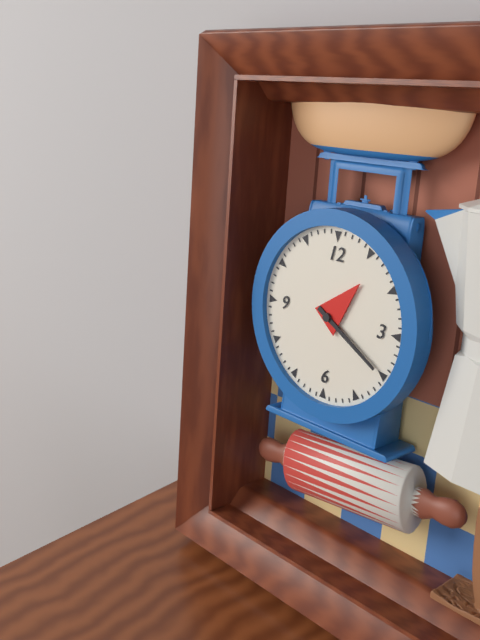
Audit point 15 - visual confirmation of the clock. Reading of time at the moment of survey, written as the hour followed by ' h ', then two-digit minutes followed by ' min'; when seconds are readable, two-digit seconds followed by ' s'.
1 h 20 min
